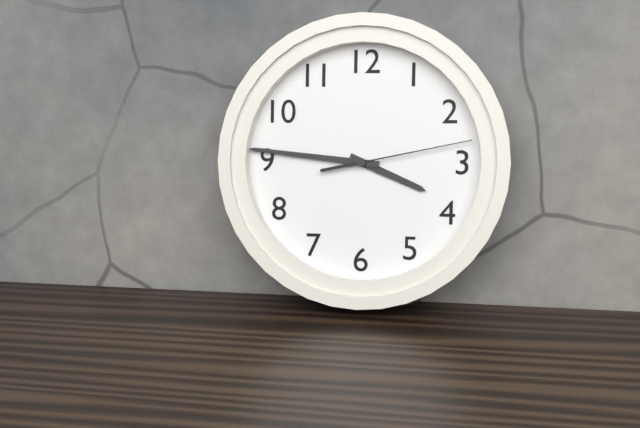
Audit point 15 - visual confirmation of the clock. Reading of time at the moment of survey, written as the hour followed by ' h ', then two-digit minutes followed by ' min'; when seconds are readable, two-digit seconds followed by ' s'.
3 h 46 min 13 s
